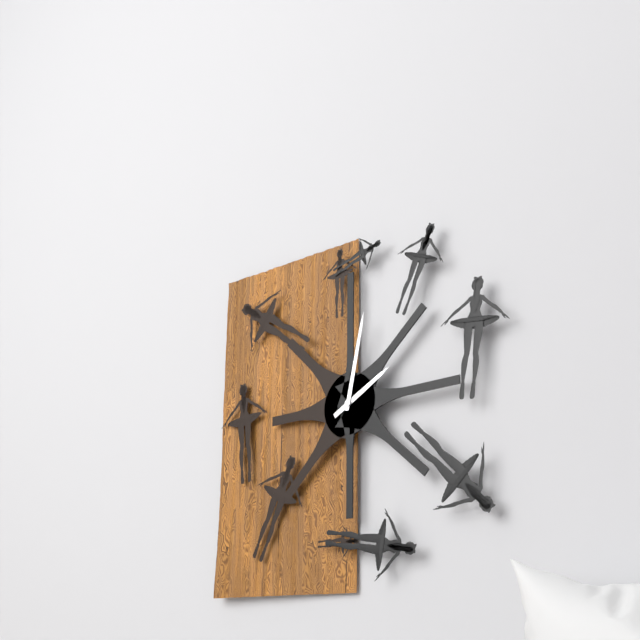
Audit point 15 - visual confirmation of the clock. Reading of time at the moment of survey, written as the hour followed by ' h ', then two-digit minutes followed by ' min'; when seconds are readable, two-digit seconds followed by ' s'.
2 h 02 min
